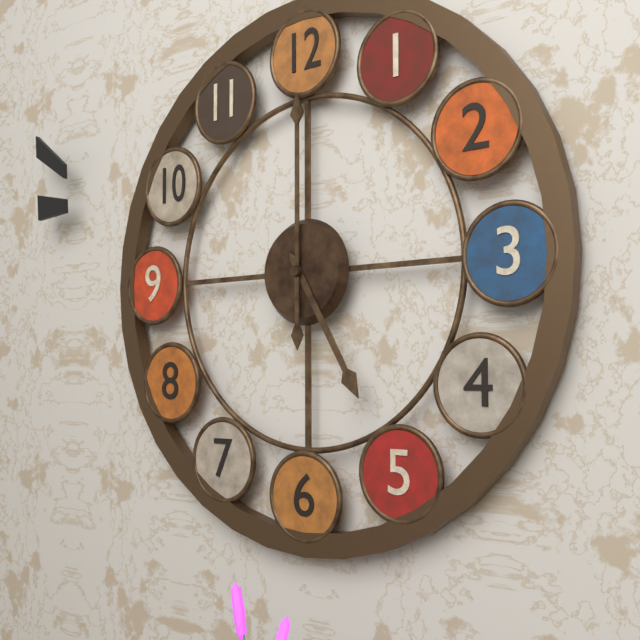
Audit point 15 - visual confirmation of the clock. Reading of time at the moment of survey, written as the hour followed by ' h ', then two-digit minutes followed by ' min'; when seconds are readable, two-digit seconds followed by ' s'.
5 h 00 min
